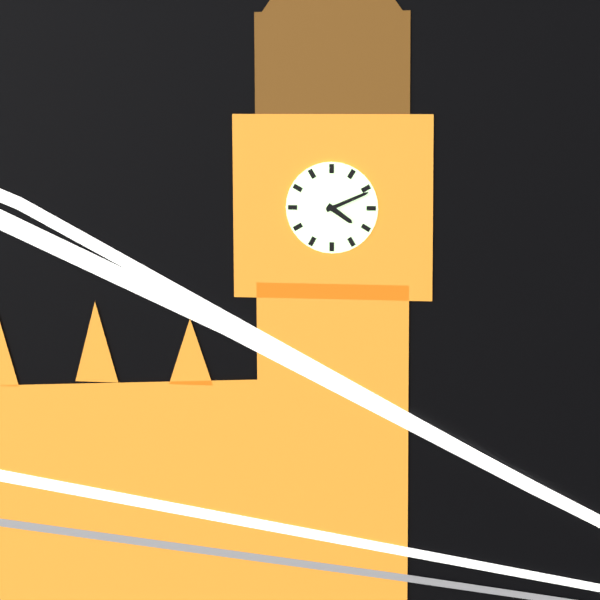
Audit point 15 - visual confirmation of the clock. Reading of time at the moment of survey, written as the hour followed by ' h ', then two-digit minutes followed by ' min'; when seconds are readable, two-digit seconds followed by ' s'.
4 h 11 min
